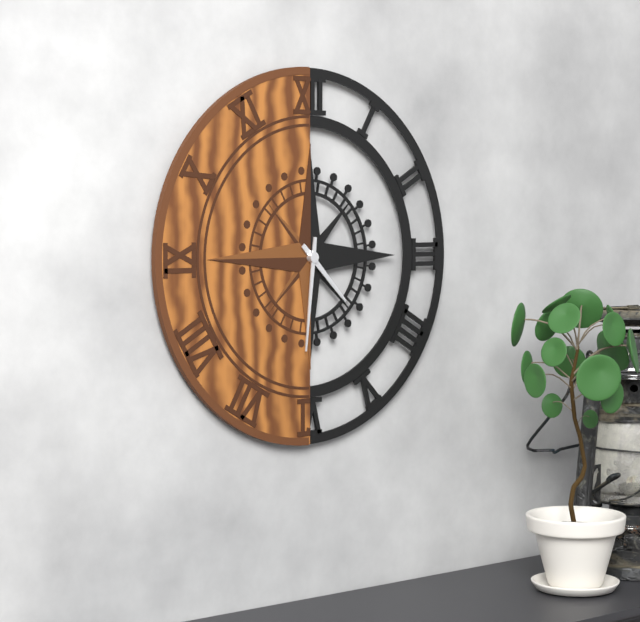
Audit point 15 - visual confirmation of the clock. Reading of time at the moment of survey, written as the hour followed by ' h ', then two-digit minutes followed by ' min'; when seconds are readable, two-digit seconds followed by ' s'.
4 h 31 min
